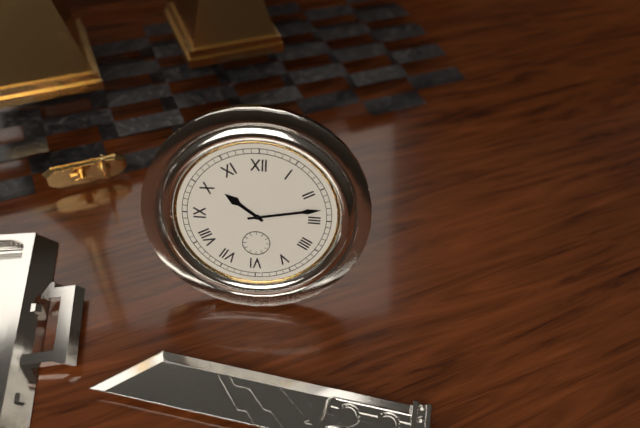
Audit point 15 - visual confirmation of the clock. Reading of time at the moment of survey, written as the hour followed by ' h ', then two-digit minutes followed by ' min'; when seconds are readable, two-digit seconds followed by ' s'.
10 h 13 min
